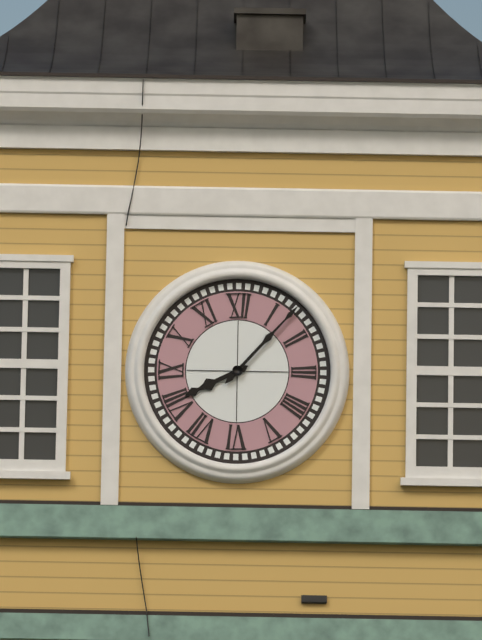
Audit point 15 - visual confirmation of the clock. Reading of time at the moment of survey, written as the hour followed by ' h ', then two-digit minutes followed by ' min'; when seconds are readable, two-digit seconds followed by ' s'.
8 h 07 min
